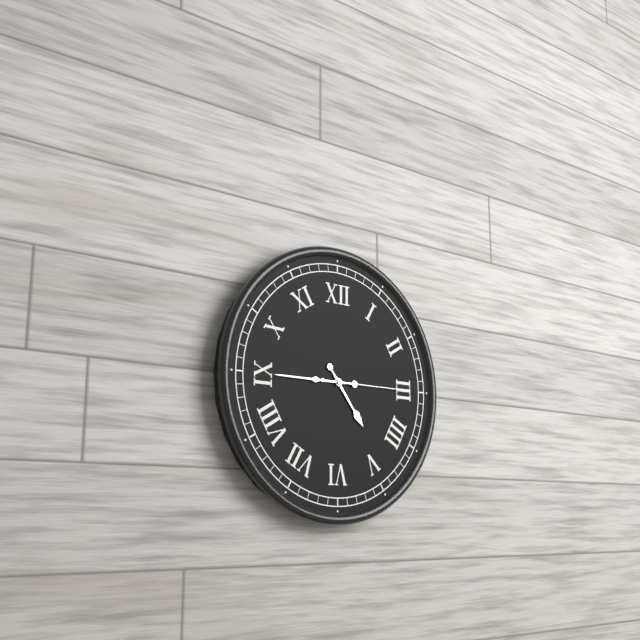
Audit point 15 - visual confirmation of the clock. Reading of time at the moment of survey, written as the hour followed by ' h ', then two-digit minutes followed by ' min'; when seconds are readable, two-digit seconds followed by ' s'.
4 h 45 min 15 s
